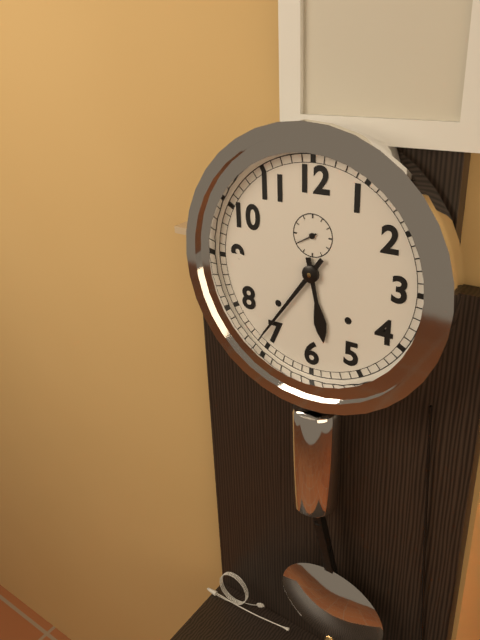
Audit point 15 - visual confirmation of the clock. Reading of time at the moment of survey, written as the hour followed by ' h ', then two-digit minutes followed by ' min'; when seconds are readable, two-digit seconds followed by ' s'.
5 h 36 min
